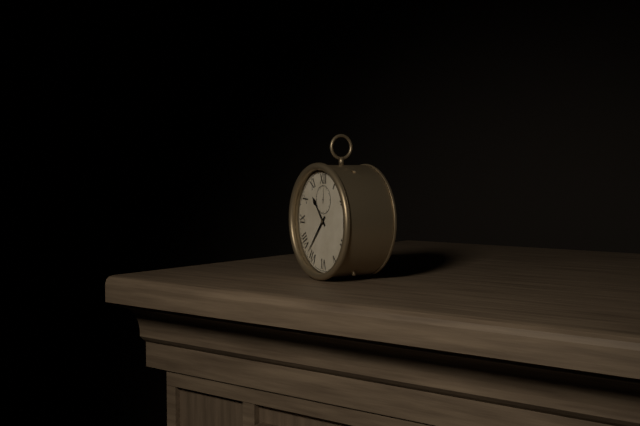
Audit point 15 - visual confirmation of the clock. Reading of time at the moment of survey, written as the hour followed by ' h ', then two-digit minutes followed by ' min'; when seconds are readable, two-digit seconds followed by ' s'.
10 h 37 min
